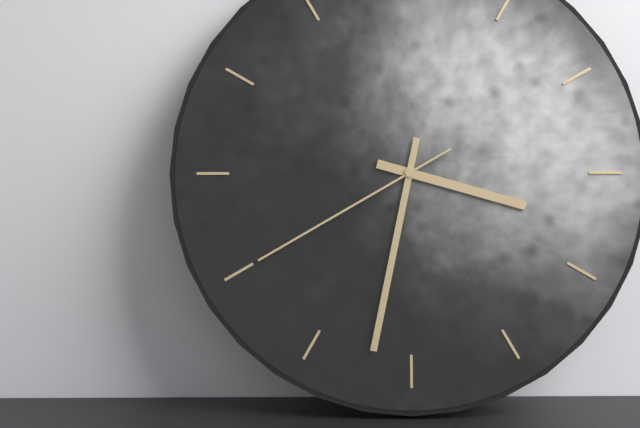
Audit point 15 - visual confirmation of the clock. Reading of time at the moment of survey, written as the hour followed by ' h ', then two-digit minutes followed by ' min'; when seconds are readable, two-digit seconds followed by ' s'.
3 h 32 min 40 s
